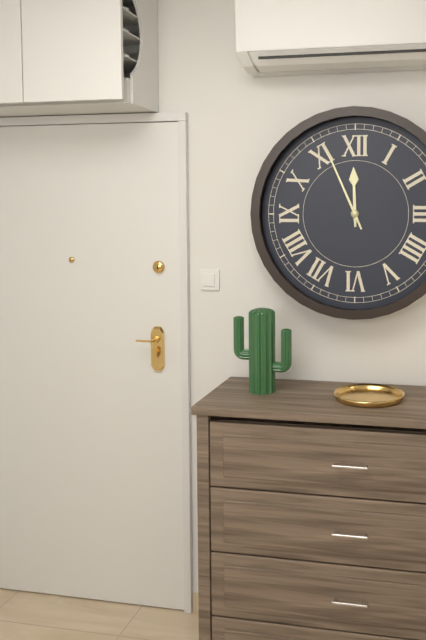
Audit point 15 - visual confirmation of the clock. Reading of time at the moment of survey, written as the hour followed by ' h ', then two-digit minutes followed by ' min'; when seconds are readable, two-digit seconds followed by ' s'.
11 h 56 min
